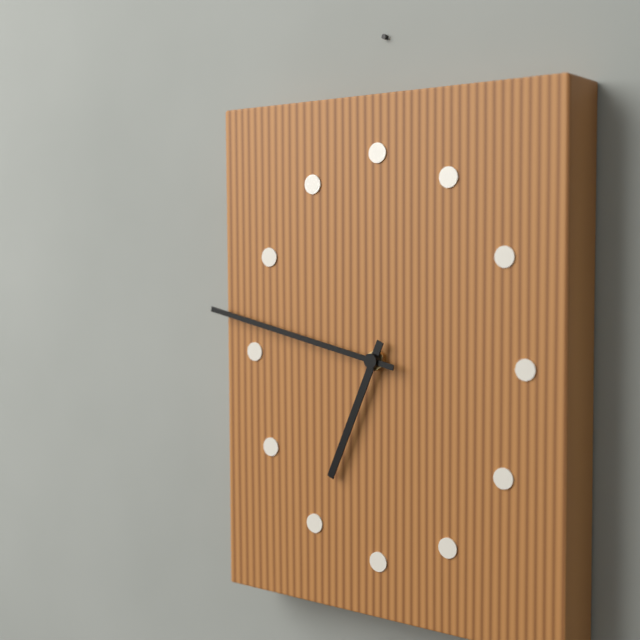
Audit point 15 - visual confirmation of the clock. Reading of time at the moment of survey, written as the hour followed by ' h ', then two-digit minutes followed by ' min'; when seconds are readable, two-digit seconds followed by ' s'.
6 h 47 min
